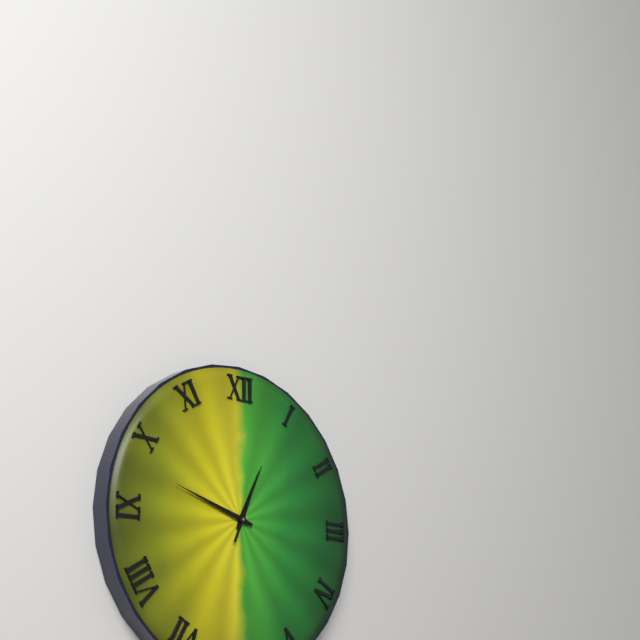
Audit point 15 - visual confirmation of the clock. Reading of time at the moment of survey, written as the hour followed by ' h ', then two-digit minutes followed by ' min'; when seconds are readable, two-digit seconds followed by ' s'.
12 h 48 min 04 s
